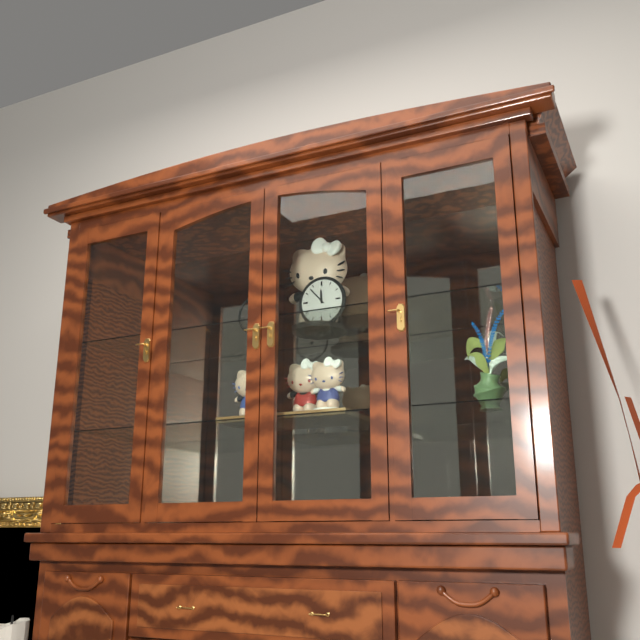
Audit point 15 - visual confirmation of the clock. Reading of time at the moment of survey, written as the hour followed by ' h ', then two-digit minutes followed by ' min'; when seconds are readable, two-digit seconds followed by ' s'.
11 h 53 min
